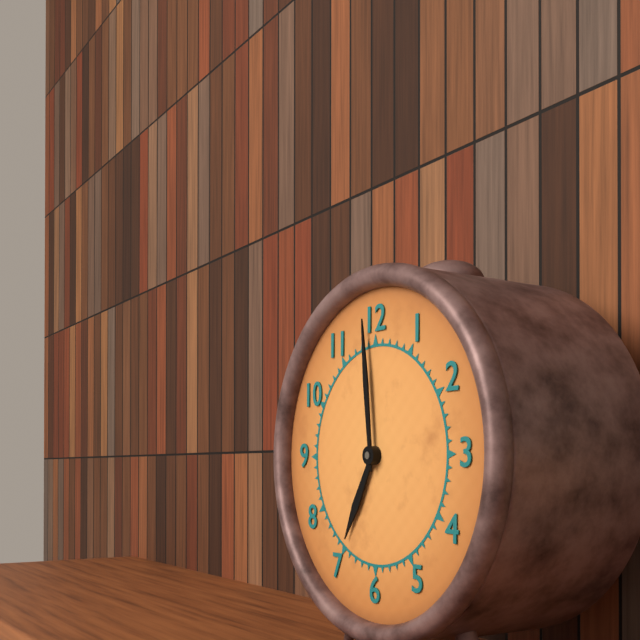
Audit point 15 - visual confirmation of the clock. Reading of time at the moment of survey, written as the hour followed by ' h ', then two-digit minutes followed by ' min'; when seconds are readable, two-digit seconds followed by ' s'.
6 h 59 min
